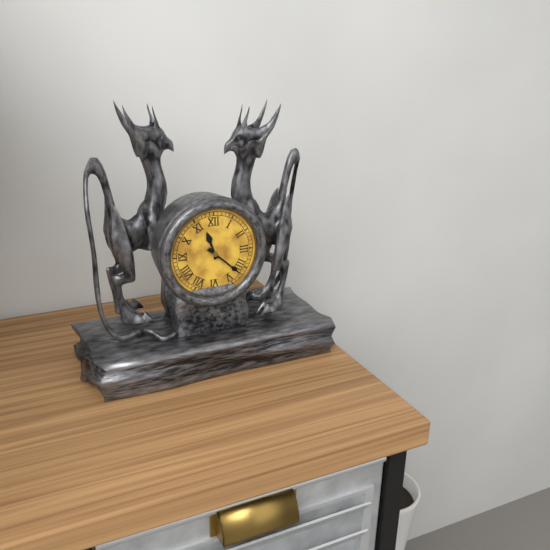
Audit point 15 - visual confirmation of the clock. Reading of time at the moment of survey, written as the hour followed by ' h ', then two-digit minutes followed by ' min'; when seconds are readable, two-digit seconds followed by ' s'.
11 h 22 min
